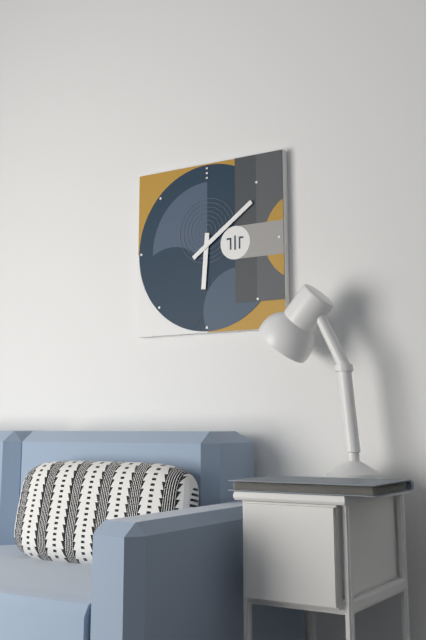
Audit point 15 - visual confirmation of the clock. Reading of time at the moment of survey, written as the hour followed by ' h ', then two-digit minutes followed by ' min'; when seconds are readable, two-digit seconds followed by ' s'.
6 h 09 min
